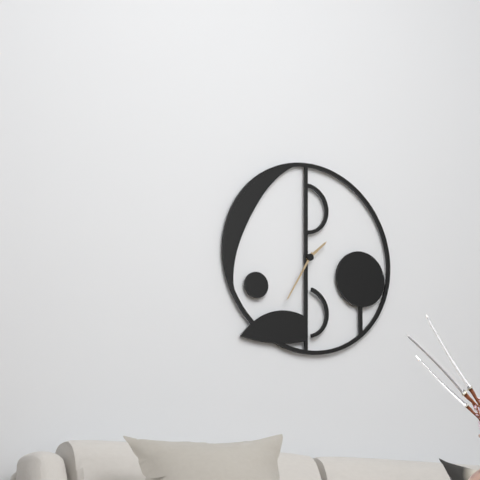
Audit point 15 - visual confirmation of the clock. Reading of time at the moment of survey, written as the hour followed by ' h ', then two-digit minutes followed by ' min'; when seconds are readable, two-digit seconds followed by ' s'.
1 h 35 min
